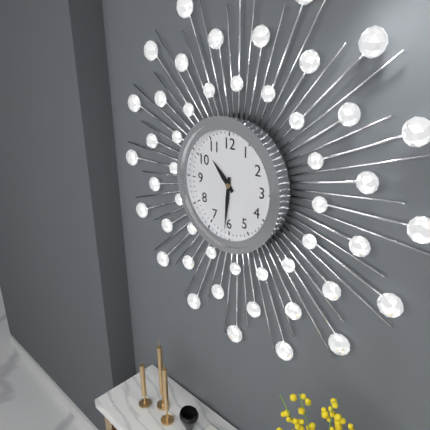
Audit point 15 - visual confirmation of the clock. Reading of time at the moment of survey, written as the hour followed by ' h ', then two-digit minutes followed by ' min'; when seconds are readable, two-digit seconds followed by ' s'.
10 h 31 min
